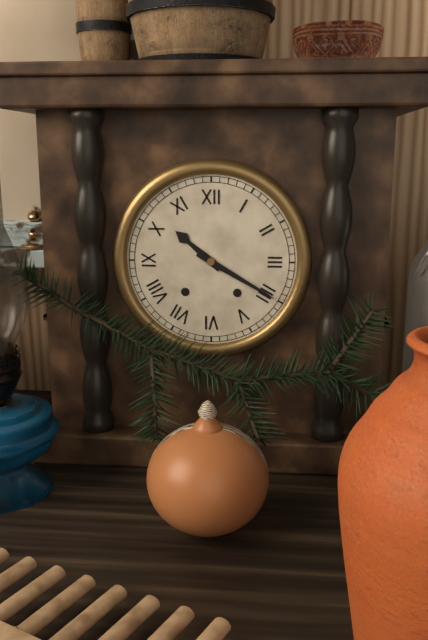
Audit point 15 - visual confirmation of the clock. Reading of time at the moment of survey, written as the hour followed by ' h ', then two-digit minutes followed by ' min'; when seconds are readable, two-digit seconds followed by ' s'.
10 h 20 min
